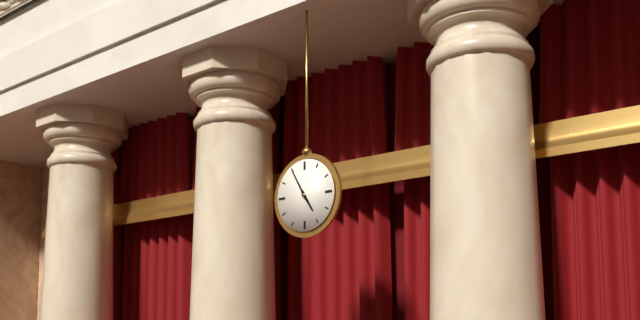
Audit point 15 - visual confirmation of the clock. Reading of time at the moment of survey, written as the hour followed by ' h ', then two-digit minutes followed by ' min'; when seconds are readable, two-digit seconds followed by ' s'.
4 h 55 min
